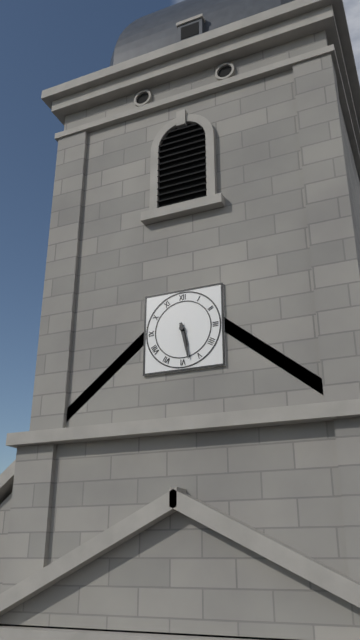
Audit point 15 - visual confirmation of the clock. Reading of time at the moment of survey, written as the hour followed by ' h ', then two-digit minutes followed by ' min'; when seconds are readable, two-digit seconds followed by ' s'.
5 h 28 min
